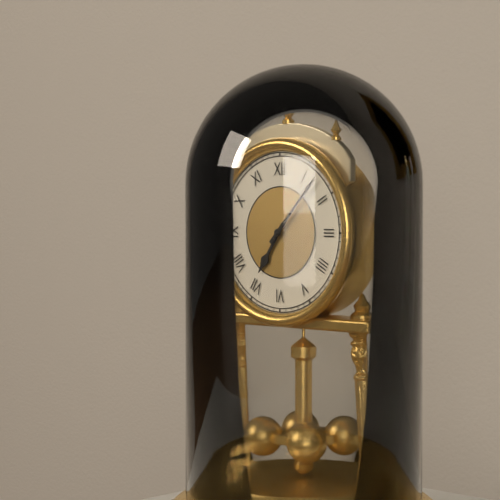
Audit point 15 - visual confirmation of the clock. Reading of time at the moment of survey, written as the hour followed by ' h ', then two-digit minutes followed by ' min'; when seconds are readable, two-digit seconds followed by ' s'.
7 h 07 min
